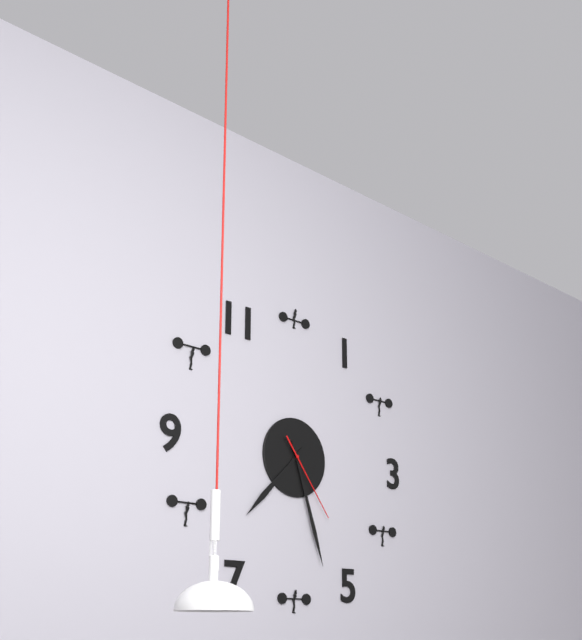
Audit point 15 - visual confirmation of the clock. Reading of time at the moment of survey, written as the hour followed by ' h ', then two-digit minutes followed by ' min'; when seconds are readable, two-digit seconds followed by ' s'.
7 h 27 min 24 s
